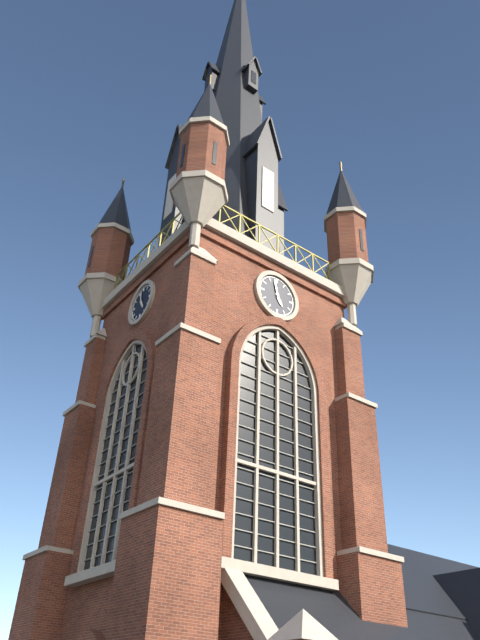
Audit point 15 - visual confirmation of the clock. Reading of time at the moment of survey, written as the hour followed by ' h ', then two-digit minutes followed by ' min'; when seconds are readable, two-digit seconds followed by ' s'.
4 h 58 min
